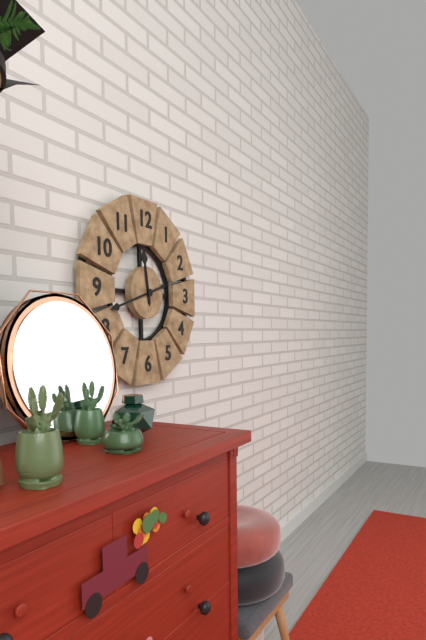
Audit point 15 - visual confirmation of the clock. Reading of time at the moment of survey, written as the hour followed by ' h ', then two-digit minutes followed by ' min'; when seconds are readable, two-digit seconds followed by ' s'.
11 h 42 min
